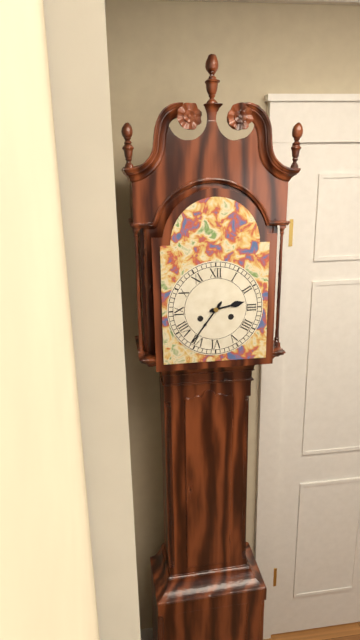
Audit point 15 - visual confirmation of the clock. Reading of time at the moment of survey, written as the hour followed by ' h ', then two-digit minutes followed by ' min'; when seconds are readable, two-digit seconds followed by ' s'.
2 h 36 min
